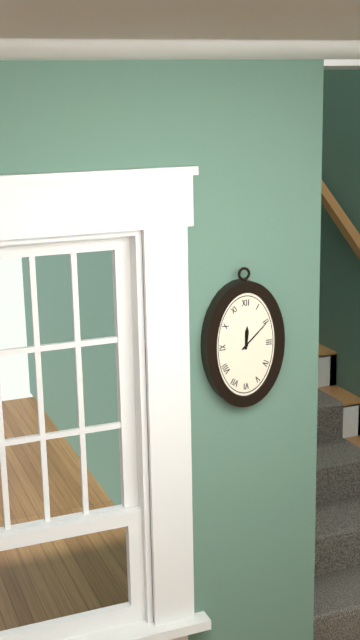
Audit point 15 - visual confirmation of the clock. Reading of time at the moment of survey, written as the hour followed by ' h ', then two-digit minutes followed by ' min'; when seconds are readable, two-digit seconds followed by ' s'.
12 h 08 min
